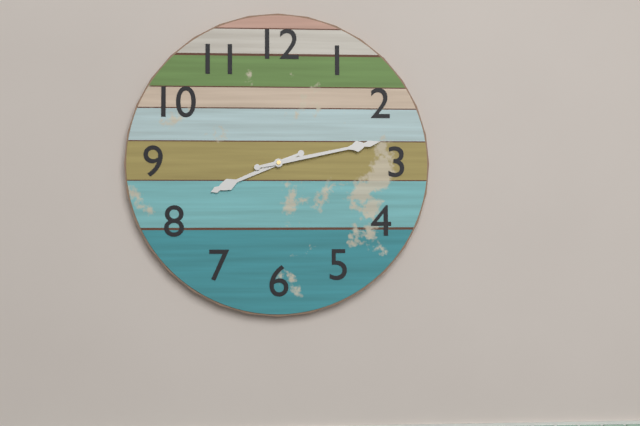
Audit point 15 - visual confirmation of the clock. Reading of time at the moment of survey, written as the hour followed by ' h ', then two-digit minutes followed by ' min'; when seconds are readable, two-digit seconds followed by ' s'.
8 h 13 min
